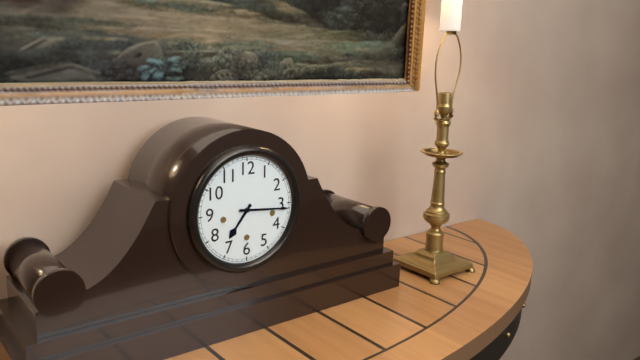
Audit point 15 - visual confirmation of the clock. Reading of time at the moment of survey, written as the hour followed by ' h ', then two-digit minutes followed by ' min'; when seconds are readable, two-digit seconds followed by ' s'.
7 h 16 min
